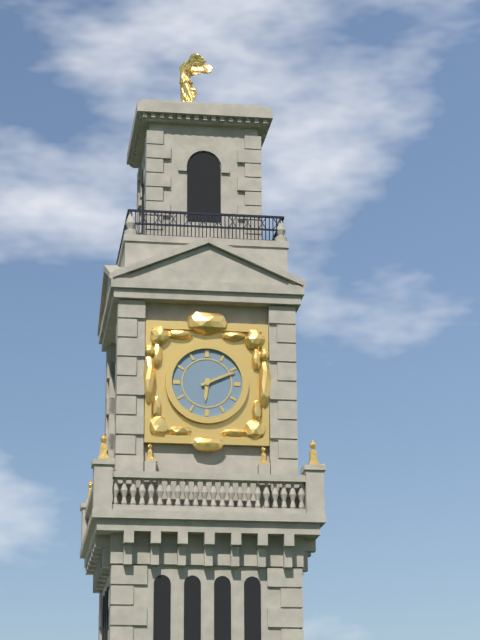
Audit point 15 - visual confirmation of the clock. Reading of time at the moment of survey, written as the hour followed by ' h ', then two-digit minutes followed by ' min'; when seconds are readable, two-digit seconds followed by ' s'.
6 h 11 min
